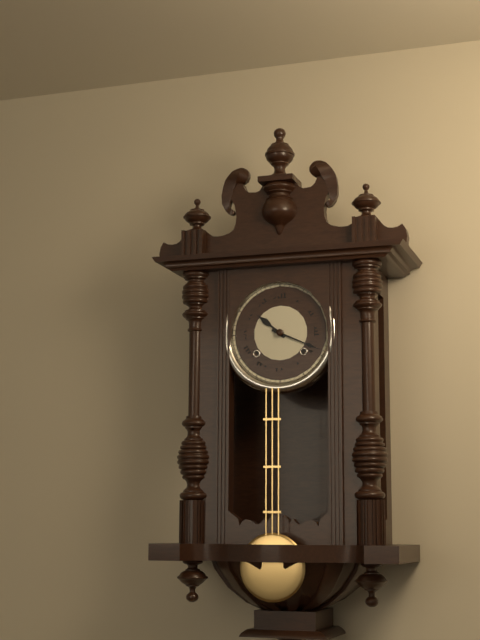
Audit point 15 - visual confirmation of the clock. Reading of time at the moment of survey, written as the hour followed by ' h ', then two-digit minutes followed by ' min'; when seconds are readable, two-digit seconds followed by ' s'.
10 h 19 min
